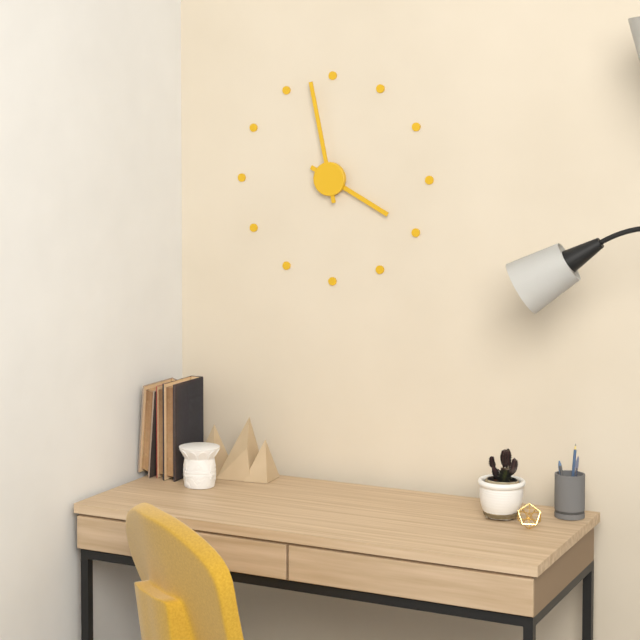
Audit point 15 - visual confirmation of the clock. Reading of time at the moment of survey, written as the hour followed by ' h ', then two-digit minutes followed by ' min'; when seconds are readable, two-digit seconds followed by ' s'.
3 h 58 min
